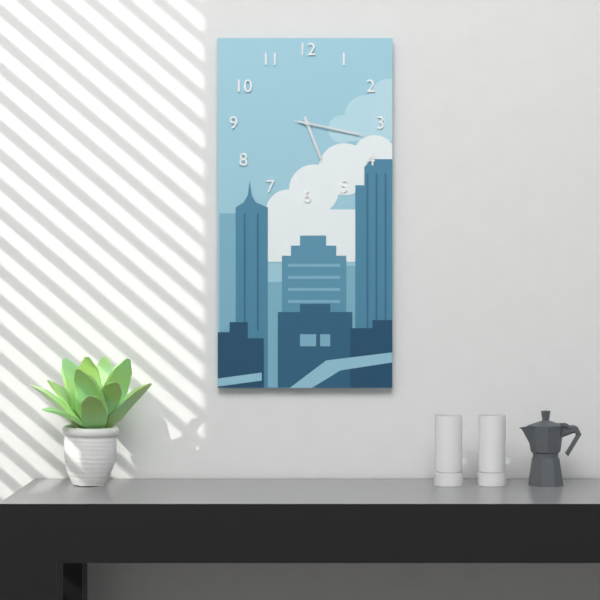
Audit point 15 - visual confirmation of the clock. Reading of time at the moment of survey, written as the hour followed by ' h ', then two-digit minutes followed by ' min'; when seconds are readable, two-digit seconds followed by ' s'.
5 h 17 min 17 s
